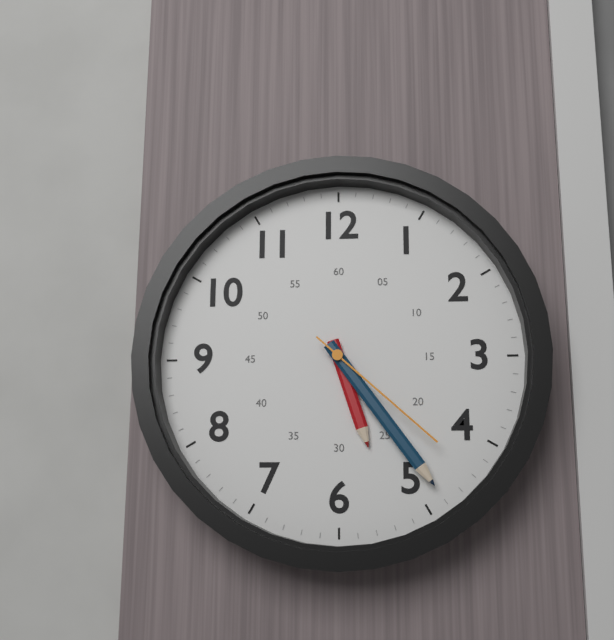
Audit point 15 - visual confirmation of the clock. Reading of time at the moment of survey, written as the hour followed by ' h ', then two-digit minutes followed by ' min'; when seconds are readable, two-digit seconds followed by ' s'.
5 h 24 min 22 s
